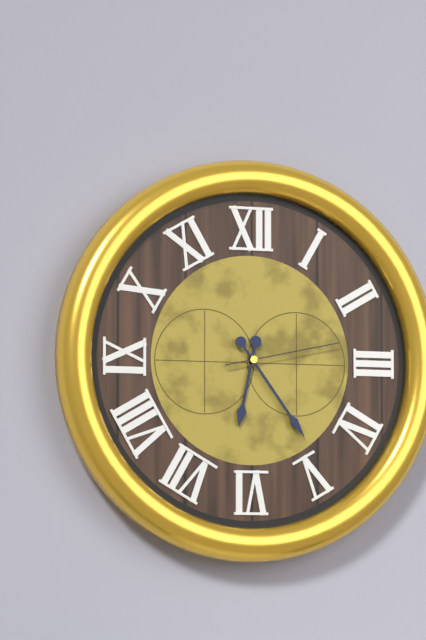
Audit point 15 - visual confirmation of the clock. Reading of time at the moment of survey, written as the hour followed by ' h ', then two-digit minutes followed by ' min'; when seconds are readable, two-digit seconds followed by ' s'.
6 h 24 min 13 s
